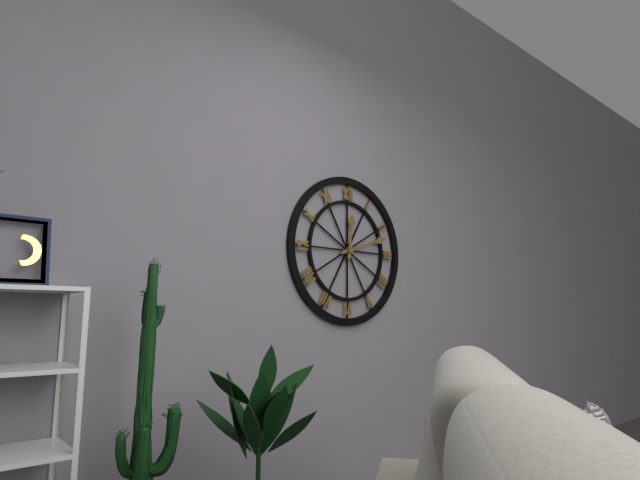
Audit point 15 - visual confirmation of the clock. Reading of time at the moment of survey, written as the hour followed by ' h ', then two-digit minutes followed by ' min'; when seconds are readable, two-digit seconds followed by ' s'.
12 h 12 min
